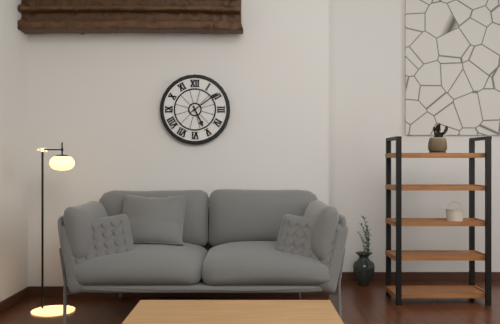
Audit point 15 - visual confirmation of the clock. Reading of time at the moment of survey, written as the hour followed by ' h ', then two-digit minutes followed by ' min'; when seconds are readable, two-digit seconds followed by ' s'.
5 h 09 min
